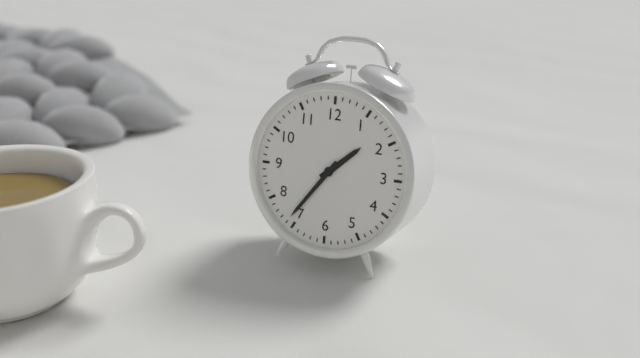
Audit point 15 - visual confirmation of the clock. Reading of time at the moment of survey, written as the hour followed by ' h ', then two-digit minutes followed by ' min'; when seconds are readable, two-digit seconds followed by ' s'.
1 h 36 min
